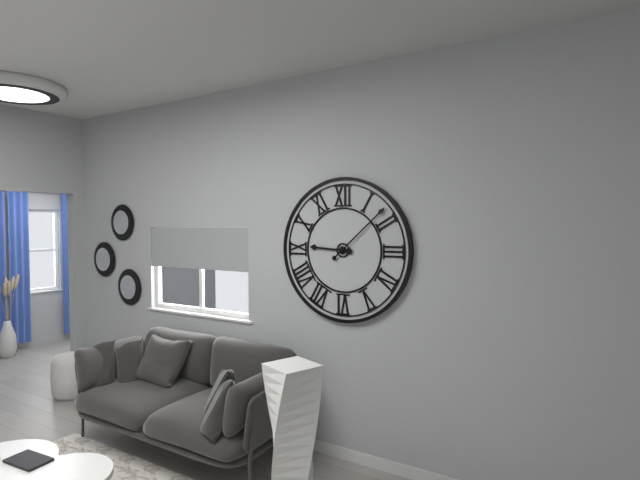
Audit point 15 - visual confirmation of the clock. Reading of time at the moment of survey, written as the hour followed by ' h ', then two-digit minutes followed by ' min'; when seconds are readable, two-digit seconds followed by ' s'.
9 h 08 min
